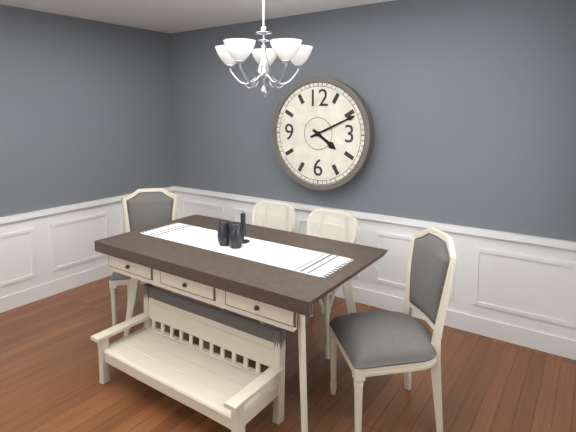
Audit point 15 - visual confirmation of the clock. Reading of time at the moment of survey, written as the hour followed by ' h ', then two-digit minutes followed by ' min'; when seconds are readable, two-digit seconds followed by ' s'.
4 h 11 min
